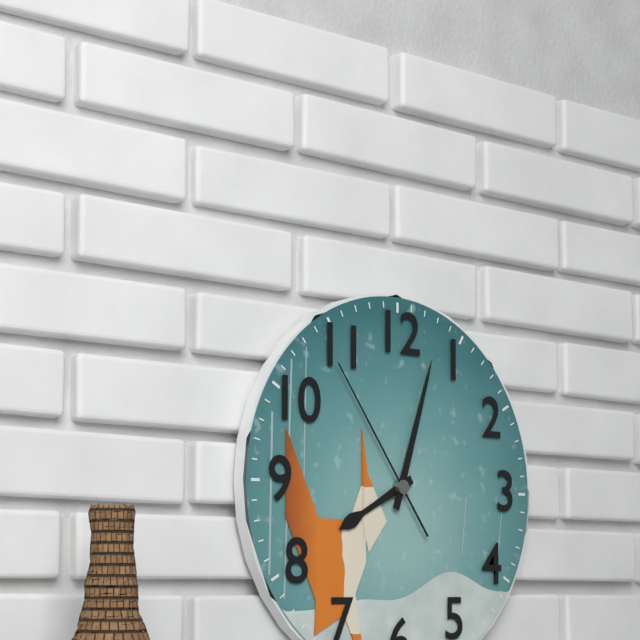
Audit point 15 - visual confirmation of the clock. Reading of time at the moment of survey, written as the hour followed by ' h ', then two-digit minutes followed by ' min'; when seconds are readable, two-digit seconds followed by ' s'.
8 h 03 min 54 s
